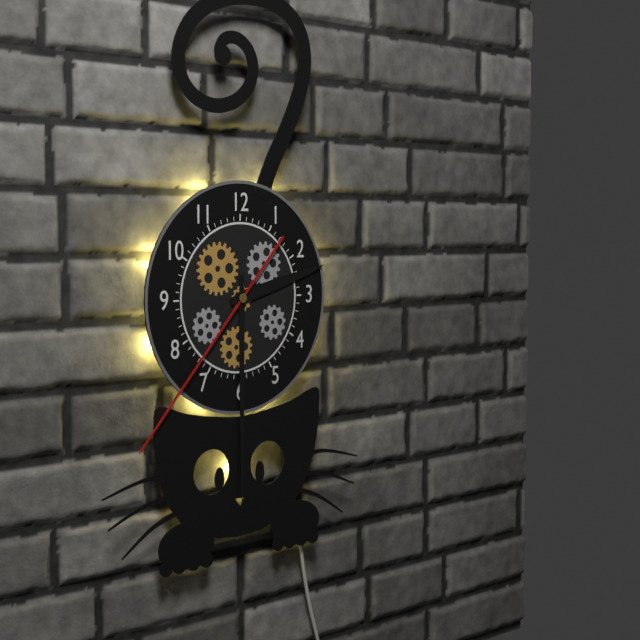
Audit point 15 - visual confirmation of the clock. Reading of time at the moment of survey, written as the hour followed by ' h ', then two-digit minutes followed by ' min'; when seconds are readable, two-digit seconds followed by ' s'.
2 h 30 min 37 s
